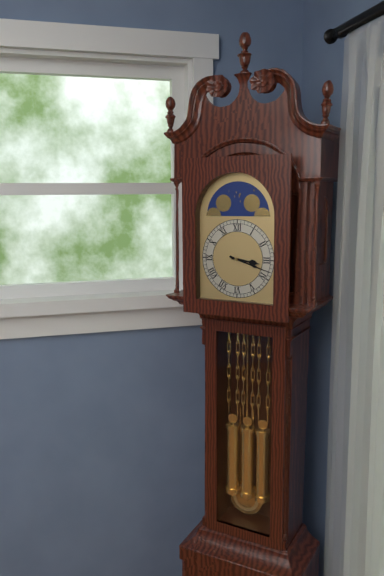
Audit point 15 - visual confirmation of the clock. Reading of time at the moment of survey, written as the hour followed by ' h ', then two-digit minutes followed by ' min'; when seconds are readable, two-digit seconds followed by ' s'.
3 h 18 min
